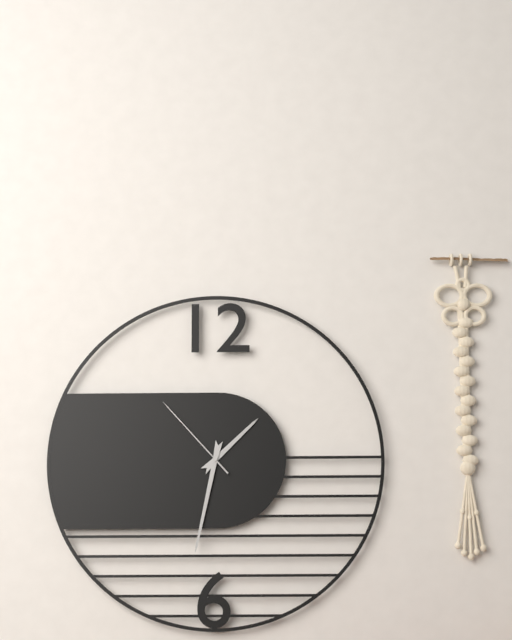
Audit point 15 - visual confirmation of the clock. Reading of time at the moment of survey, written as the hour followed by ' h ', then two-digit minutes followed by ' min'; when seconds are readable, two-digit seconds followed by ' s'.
1 h 32 min 53 s
